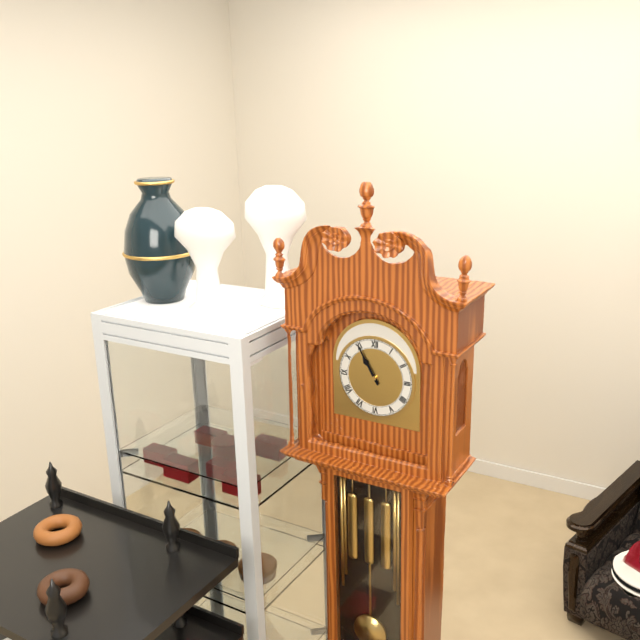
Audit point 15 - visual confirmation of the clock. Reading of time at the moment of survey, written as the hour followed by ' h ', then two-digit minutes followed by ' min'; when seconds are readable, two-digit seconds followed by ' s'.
10 h 55 min
